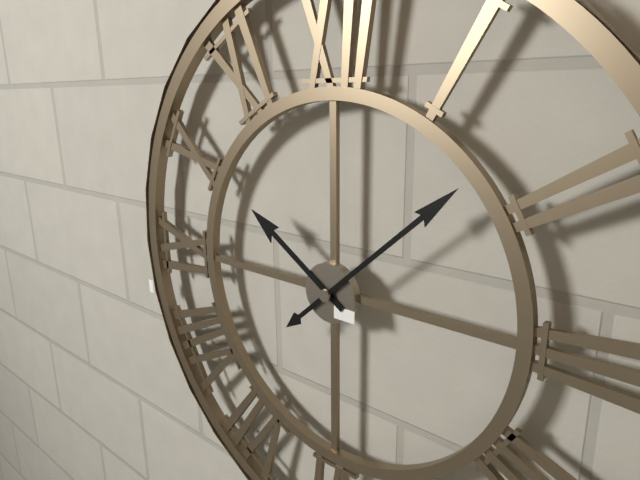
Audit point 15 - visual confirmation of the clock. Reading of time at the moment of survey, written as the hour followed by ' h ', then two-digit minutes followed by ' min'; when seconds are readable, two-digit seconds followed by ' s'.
10 h 08 min
